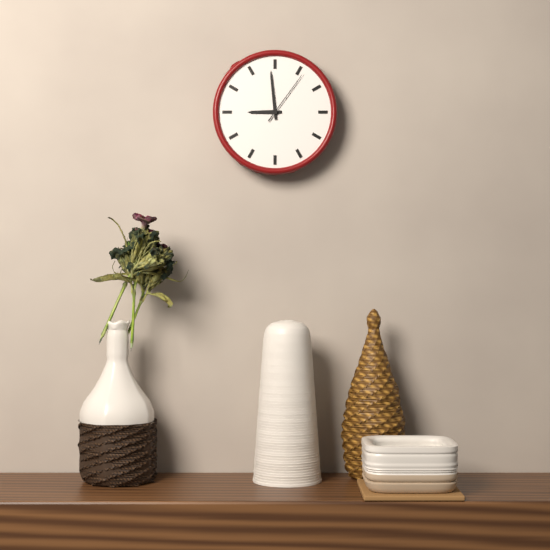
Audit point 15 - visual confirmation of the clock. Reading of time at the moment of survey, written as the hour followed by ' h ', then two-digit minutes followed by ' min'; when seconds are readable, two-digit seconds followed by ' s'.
8 h 59 min 06 s
